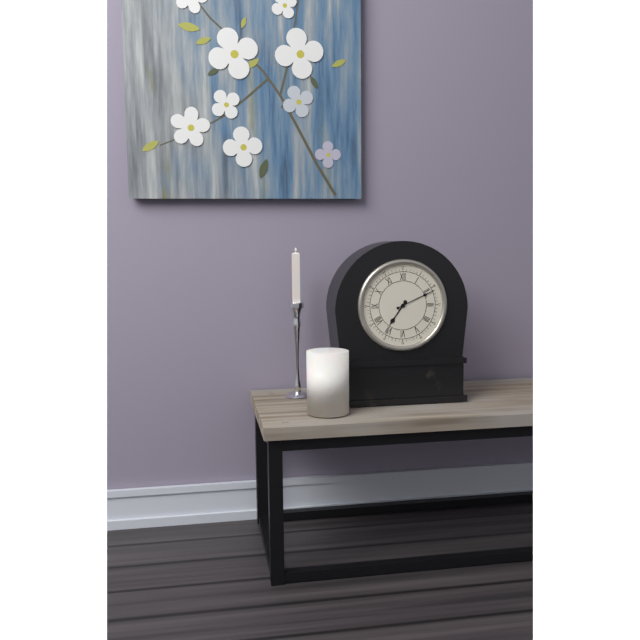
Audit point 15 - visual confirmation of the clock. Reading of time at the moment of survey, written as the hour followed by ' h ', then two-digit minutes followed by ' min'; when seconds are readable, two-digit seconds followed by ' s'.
7 h 11 min
